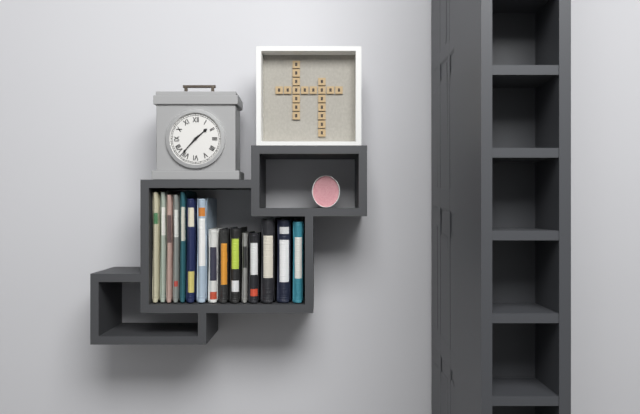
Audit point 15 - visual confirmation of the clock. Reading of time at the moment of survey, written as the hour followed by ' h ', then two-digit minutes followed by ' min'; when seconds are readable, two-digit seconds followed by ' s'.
1 h 37 min
